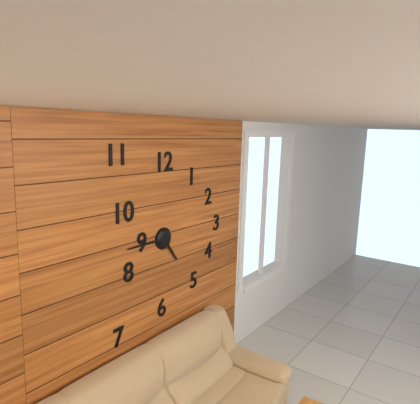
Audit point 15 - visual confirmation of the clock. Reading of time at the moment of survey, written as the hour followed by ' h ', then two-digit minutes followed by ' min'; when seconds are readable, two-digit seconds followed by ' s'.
4 h 45 min
